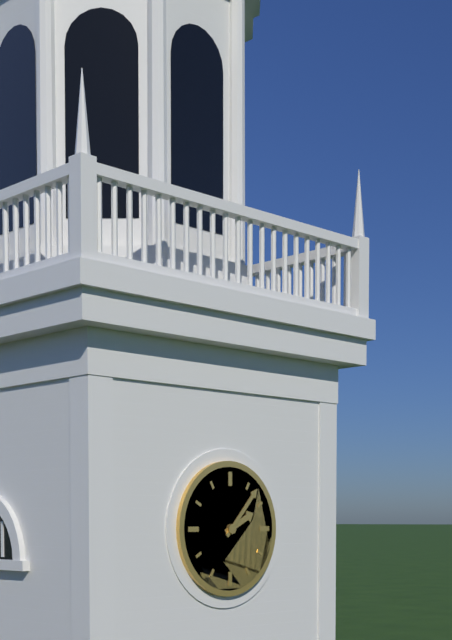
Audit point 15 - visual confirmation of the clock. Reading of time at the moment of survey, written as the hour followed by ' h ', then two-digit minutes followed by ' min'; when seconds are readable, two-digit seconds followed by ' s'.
2 h 07 min
